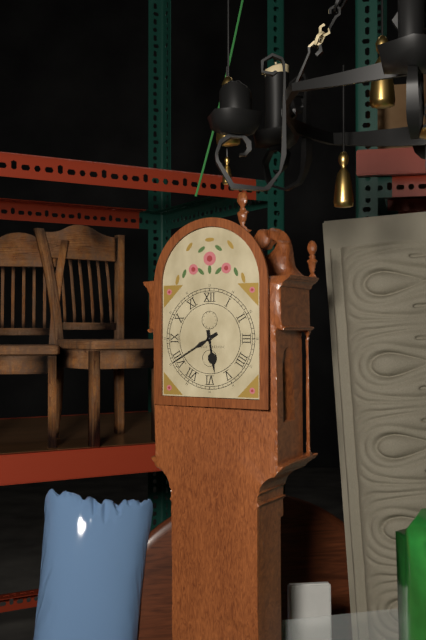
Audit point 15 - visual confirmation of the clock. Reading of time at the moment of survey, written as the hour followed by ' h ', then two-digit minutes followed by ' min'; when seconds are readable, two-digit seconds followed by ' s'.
5 h 40 min
